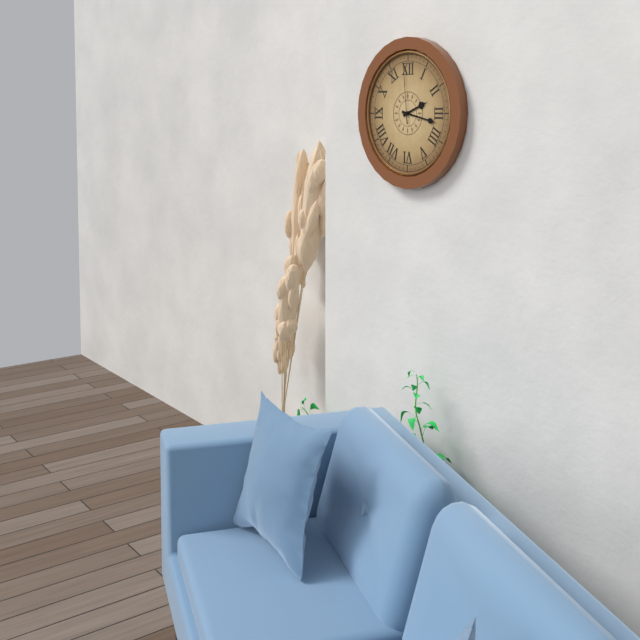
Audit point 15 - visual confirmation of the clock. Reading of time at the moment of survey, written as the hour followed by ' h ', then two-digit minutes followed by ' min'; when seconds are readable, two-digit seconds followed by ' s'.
2 h 17 min 59 s
